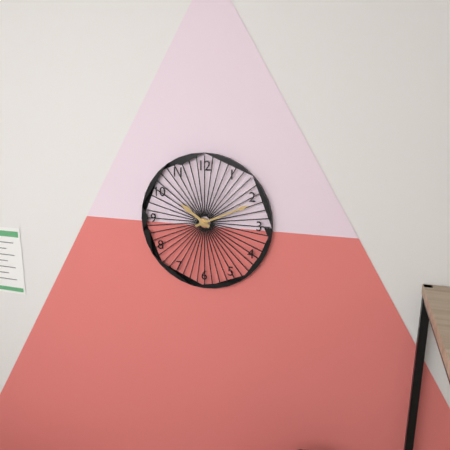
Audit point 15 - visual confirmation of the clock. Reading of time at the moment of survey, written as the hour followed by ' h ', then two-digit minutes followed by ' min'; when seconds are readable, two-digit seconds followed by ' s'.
10 h 11 min
